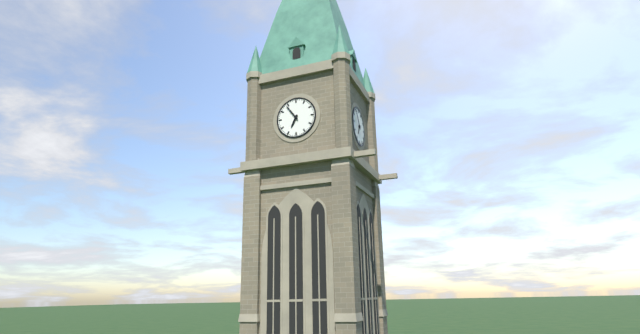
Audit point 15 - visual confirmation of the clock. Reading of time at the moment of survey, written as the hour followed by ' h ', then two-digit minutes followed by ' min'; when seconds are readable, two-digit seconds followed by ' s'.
6 h 54 min
